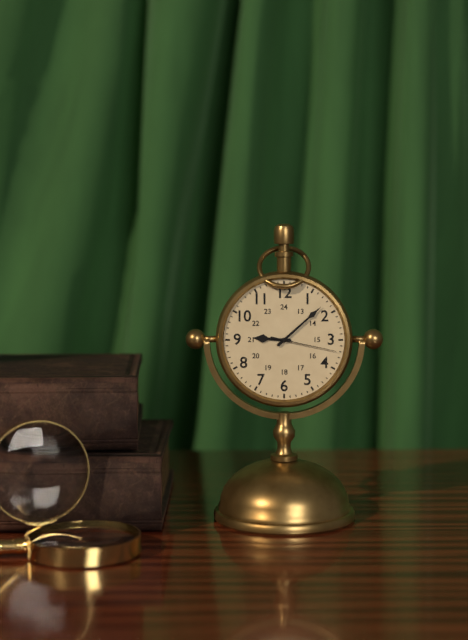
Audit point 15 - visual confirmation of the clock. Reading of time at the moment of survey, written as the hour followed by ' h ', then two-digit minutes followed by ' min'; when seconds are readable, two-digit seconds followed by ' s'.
9 h 08 min 17 s
